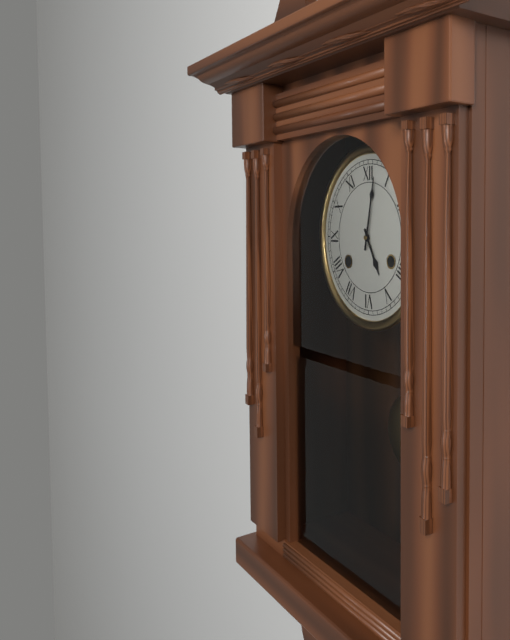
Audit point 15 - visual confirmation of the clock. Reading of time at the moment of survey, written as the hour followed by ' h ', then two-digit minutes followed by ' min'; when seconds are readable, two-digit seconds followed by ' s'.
5 h 02 min
